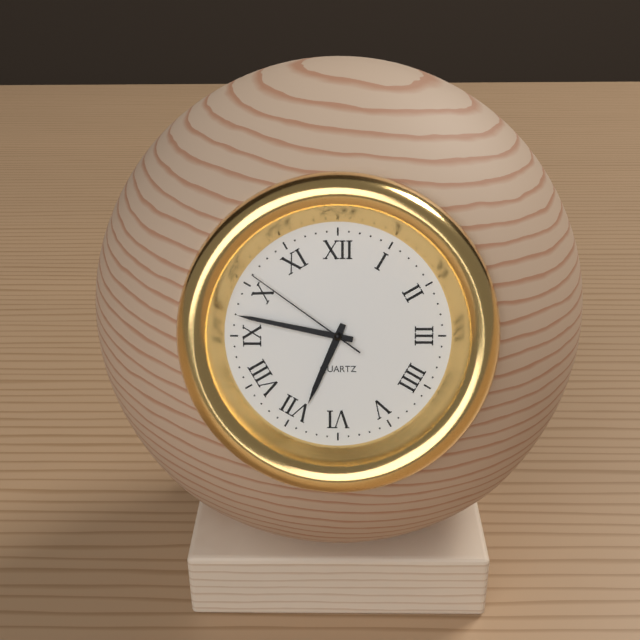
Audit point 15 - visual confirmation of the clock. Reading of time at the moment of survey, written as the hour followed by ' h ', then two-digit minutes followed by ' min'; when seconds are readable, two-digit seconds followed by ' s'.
6 h 47 min 51 s
